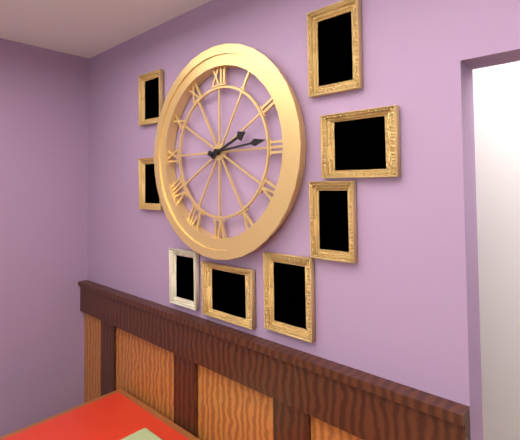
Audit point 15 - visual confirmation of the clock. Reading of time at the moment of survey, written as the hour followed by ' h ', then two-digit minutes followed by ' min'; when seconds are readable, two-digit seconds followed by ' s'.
2 h 14 min
